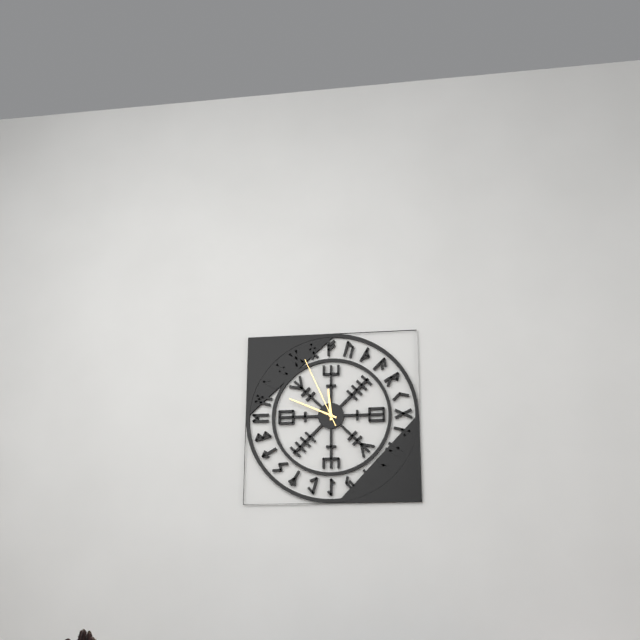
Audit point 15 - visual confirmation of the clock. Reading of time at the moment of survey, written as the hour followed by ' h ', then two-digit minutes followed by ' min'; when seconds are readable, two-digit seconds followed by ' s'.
11 h 49 min 56 s
